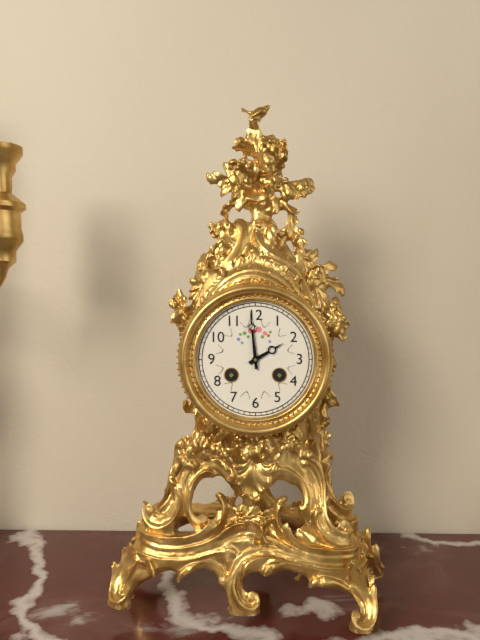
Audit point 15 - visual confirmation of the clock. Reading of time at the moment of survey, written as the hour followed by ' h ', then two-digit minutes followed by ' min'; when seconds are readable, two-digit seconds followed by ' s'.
1 h 59 min
